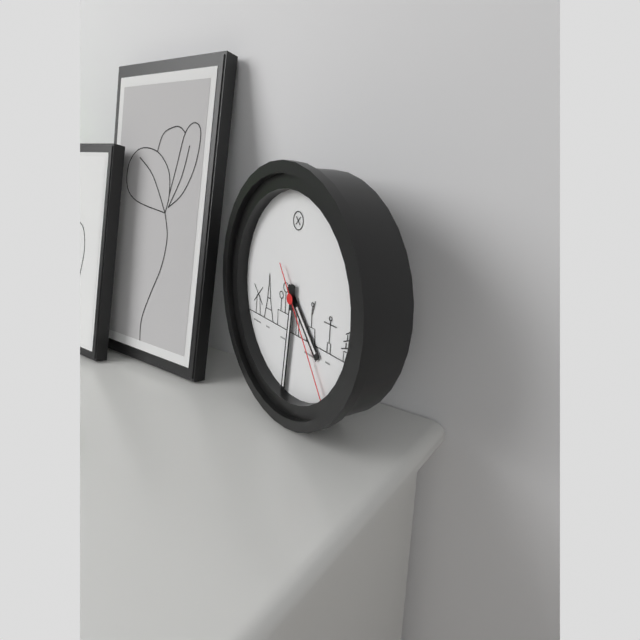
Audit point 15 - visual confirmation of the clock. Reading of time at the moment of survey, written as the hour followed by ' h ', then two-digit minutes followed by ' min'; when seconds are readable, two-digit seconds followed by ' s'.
4 h 31 min 24 s
